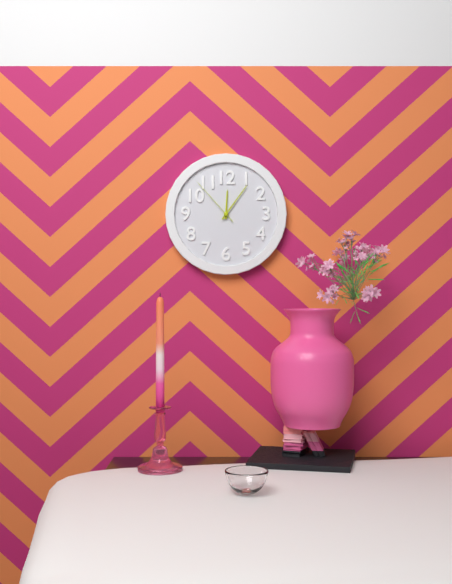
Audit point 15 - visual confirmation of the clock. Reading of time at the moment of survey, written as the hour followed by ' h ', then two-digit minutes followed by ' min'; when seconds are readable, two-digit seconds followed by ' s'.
12 h 06 min 53 s
